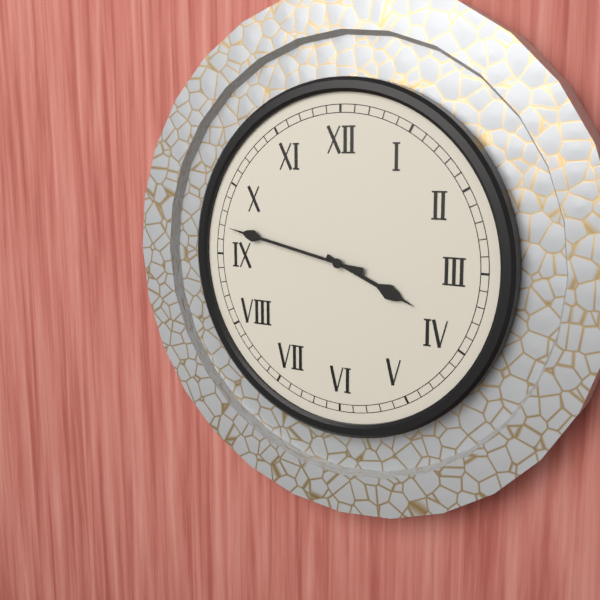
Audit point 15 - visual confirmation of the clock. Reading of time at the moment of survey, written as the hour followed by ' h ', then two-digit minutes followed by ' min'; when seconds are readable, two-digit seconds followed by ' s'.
3 h 47 min
